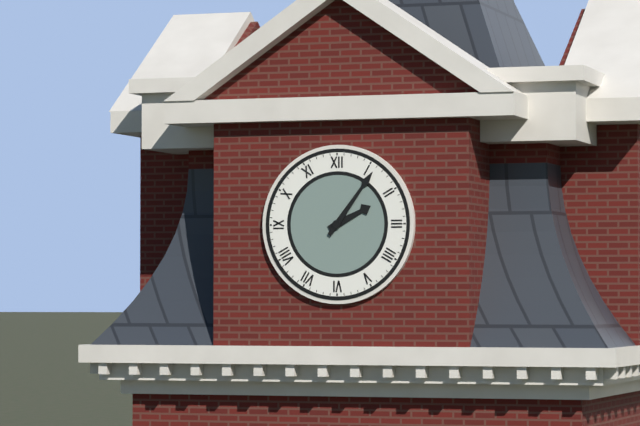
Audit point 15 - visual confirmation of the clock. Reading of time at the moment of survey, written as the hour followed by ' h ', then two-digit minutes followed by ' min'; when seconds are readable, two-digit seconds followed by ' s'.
2 h 06 min
